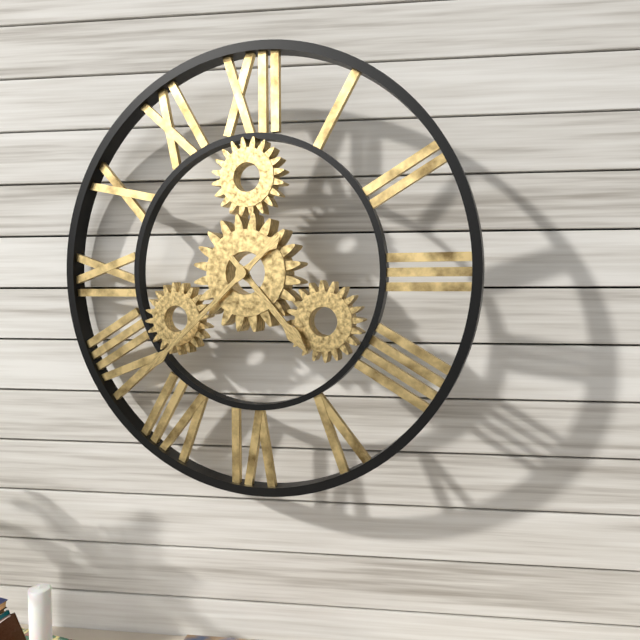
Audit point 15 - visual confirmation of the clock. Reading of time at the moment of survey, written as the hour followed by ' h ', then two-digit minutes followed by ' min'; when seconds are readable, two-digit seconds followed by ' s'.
4 h 38 min
